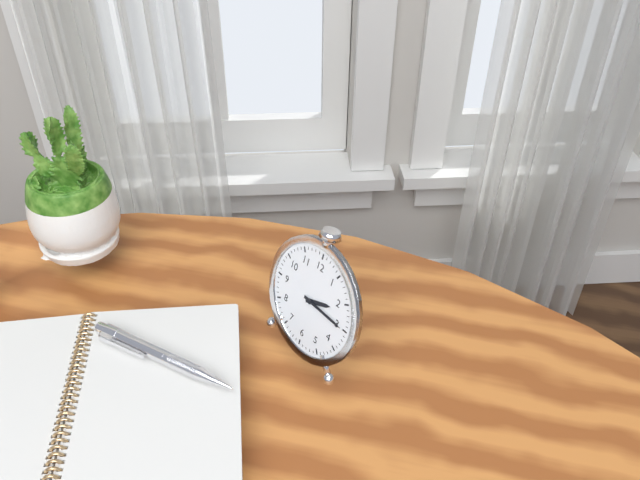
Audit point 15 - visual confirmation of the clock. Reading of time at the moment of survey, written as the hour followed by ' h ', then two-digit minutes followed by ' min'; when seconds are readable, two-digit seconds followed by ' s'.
2 h 15 min
